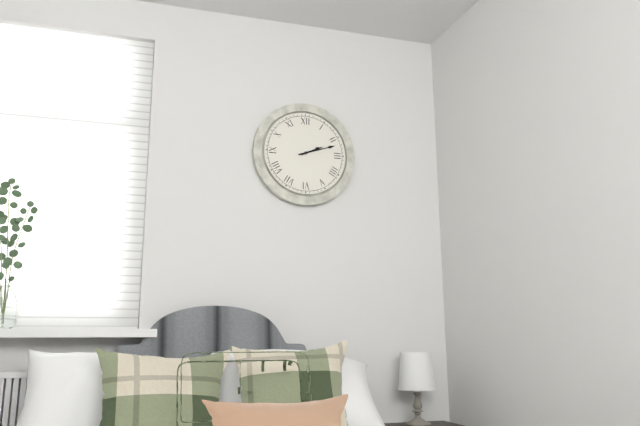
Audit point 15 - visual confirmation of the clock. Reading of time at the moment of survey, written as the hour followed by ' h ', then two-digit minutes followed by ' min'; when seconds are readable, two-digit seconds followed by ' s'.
2 h 12 min
